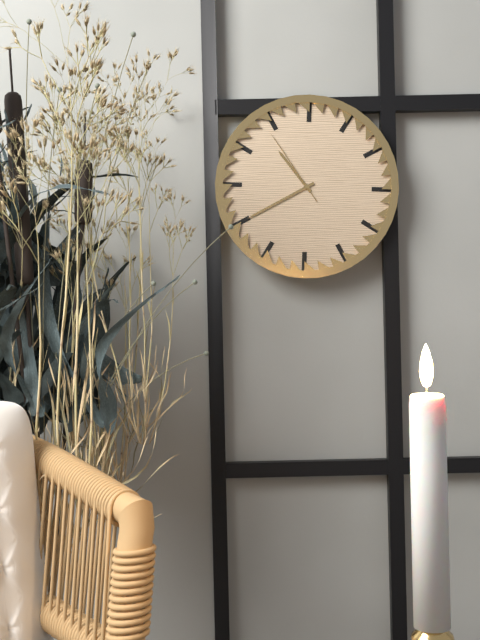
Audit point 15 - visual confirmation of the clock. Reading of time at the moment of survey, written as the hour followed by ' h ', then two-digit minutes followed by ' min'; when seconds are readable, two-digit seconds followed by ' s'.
10 h 40 min 54 s
